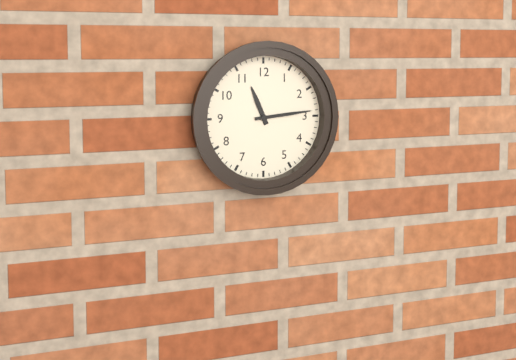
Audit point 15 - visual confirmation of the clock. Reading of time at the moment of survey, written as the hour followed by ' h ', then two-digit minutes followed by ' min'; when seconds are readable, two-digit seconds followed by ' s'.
11 h 14 min
